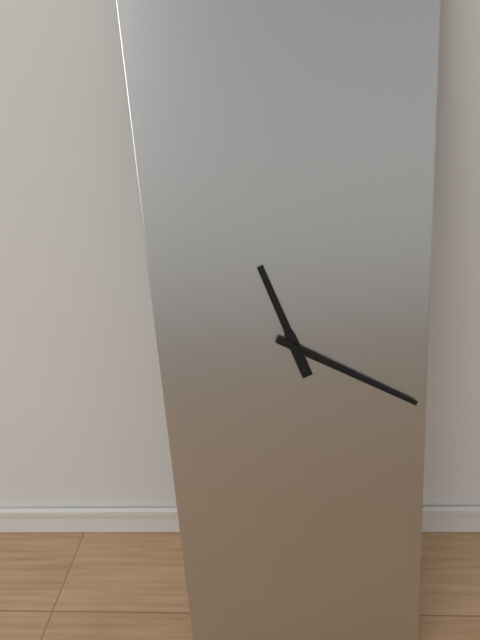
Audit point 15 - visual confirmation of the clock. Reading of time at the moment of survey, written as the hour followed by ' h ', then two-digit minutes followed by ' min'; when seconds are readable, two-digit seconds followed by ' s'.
11 h 20 min
